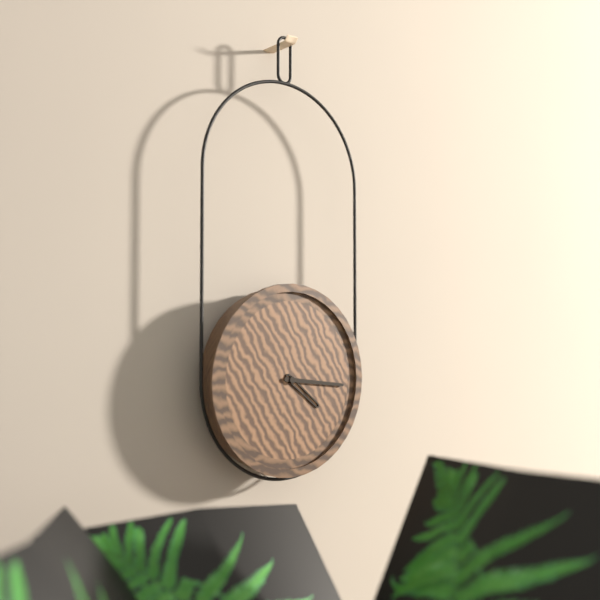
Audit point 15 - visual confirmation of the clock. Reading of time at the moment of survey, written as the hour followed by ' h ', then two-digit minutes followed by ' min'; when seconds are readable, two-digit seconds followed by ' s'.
4 h 16 min
